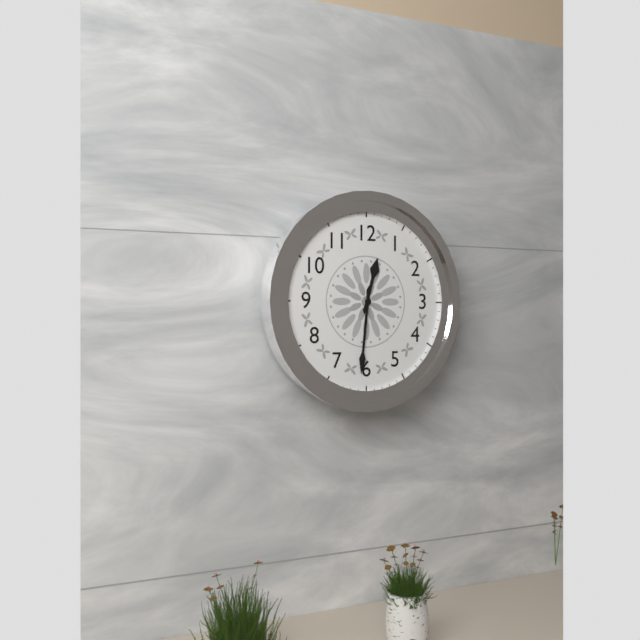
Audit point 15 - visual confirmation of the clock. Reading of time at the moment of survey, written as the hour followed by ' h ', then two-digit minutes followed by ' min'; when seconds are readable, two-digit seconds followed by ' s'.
12 h 31 min
